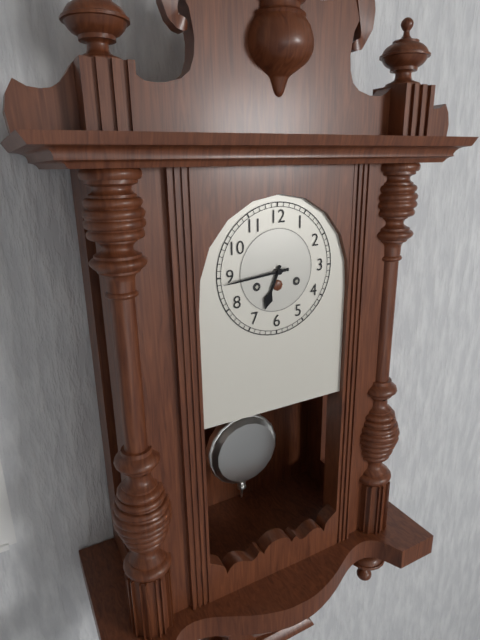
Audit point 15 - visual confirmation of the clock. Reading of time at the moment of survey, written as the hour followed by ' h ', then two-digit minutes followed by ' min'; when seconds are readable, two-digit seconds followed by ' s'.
6 h 44 min
